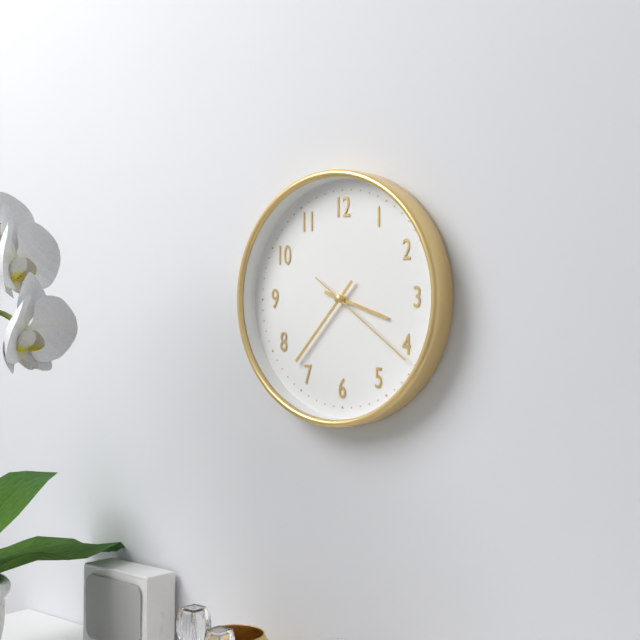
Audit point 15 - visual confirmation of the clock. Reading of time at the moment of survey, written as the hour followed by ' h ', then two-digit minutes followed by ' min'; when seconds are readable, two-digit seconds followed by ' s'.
3 h 37 min 21 s
